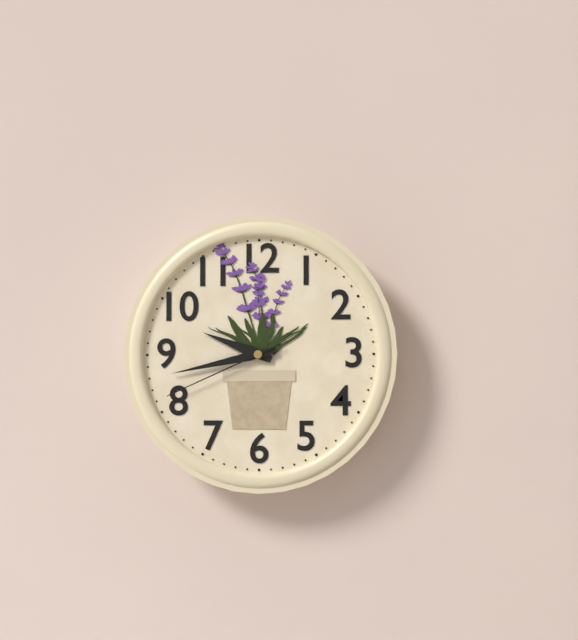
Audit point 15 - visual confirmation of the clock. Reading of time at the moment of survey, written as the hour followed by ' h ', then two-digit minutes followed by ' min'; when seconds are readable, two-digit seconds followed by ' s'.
9 h 43 min 41 s
